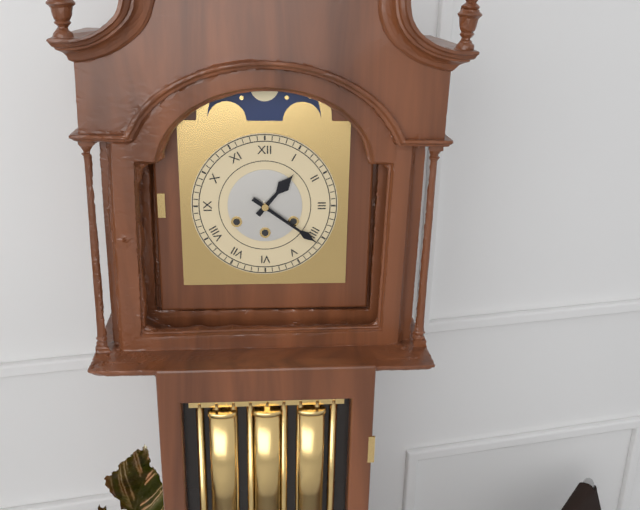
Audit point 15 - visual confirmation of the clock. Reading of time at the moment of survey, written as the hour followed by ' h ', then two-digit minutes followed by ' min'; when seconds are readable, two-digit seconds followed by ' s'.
1 h 21 min
